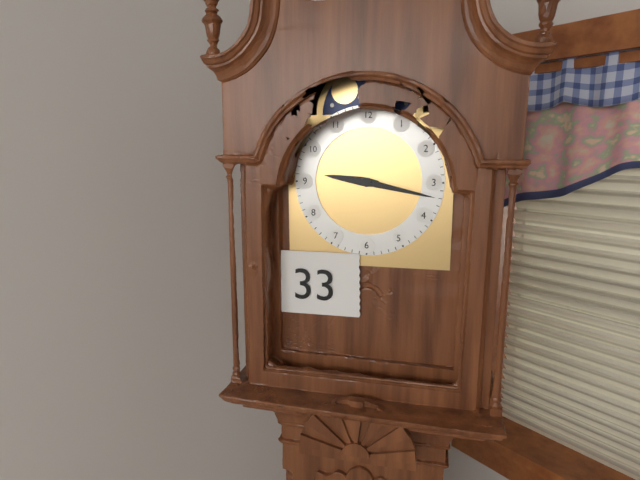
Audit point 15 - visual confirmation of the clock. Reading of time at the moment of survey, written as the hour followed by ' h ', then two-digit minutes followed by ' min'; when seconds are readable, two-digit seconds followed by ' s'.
9 h 17 min
